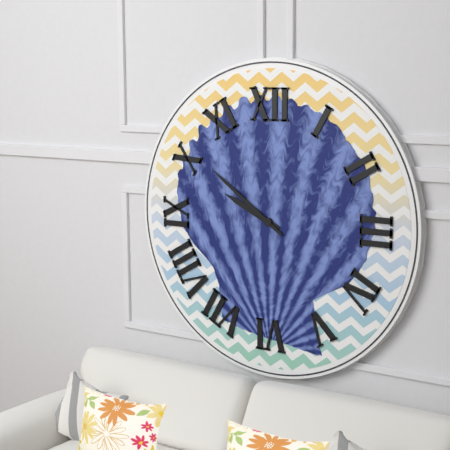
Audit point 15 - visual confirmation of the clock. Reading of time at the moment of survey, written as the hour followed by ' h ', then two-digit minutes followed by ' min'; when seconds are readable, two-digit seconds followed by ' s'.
9 h 51 min
